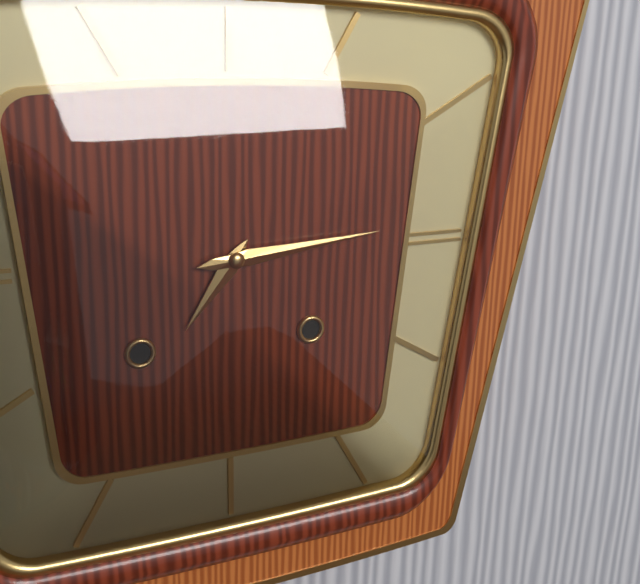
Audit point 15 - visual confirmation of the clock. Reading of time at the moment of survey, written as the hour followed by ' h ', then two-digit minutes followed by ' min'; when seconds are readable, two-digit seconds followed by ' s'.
7 h 14 min
